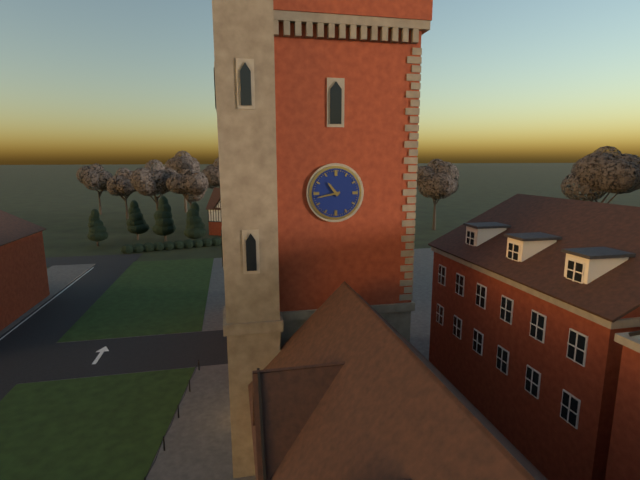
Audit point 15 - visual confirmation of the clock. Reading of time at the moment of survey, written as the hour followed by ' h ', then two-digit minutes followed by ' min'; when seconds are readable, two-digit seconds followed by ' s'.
10 h 43 min
